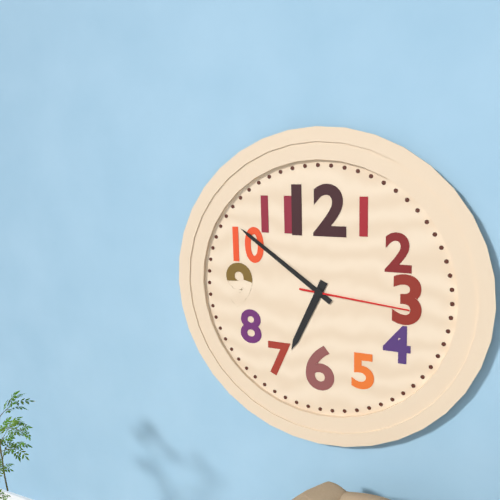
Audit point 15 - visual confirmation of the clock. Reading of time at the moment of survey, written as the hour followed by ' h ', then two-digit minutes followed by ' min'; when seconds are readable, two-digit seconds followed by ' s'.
6 h 51 min 16 s
